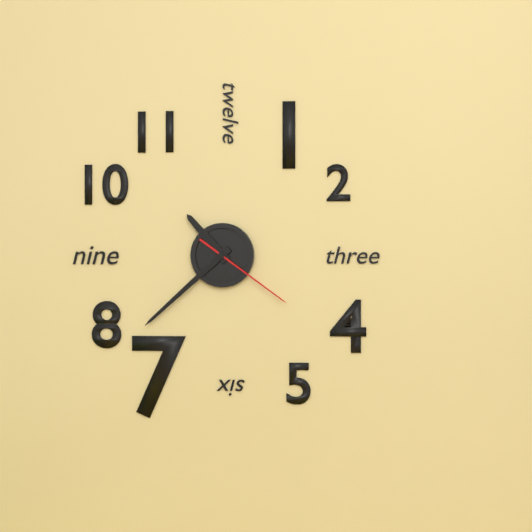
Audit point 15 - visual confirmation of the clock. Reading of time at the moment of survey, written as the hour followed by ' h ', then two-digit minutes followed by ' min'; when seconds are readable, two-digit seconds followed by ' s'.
10 h 38 min 21 s
